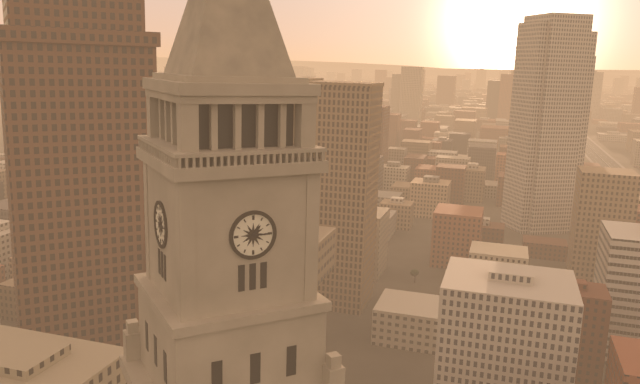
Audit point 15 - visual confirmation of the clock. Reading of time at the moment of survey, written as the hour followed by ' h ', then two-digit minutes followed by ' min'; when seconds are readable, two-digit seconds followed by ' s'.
1 h 15 min
